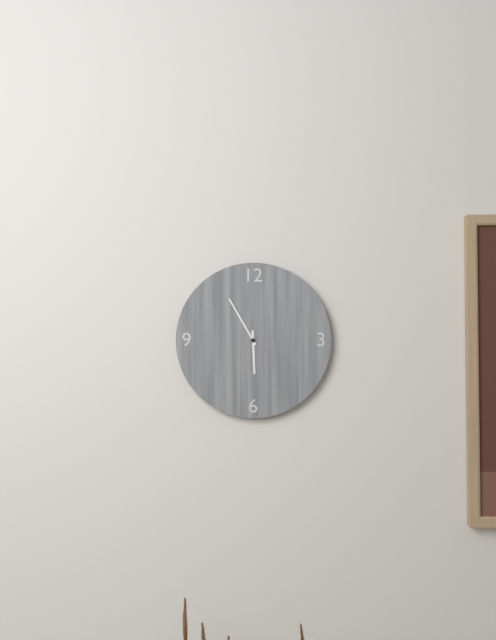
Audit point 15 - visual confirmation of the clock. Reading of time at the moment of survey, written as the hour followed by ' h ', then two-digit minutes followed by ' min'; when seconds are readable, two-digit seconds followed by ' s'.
5 h 55 min
